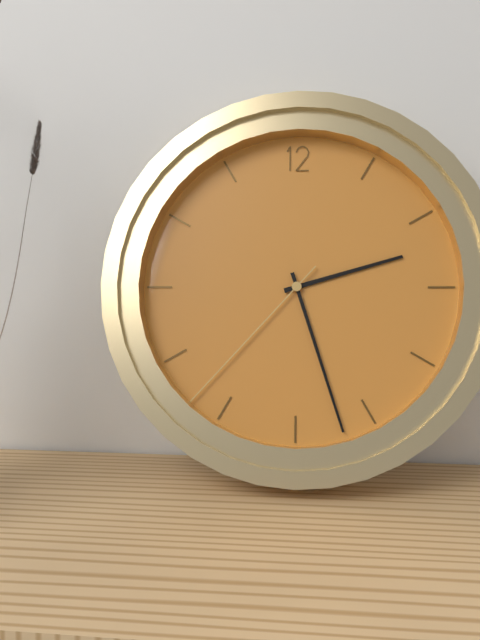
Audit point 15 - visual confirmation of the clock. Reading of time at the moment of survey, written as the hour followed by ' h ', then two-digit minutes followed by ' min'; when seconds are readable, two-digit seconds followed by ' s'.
2 h 27 min 37 s
